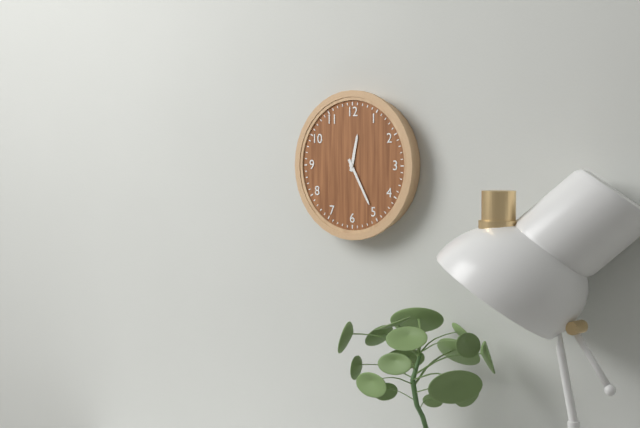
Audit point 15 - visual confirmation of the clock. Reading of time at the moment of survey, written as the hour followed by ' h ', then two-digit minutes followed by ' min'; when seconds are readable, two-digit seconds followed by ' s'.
12 h 25 min
